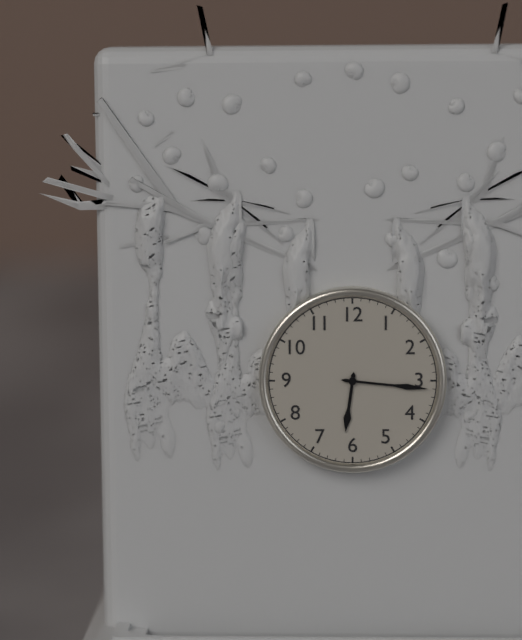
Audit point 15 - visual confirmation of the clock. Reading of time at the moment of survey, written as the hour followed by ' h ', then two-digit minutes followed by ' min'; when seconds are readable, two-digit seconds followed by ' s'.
6 h 16 min
